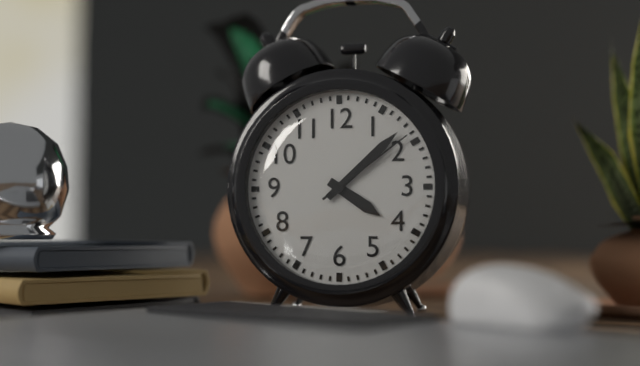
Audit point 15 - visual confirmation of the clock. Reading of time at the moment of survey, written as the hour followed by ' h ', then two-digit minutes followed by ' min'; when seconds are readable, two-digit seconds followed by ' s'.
4 h 08 min 09 s
